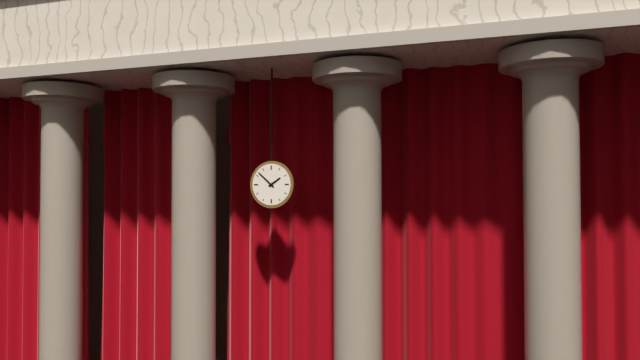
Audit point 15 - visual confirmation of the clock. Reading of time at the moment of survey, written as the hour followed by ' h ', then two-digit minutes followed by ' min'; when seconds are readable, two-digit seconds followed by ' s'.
1 h 52 min
